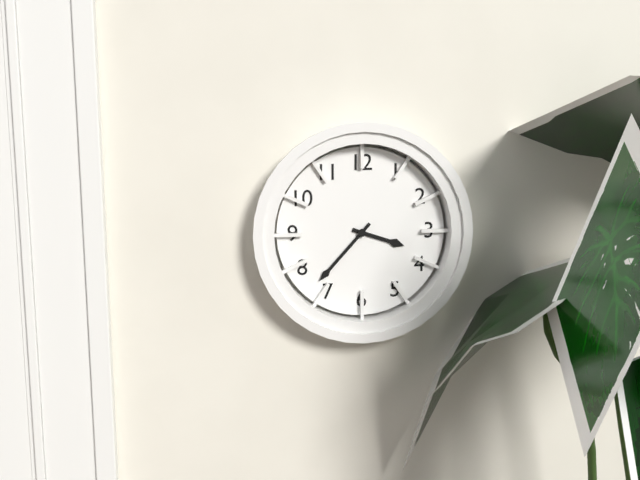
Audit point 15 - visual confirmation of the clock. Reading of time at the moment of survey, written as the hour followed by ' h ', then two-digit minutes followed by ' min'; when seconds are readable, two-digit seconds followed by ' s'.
3 h 37 min
